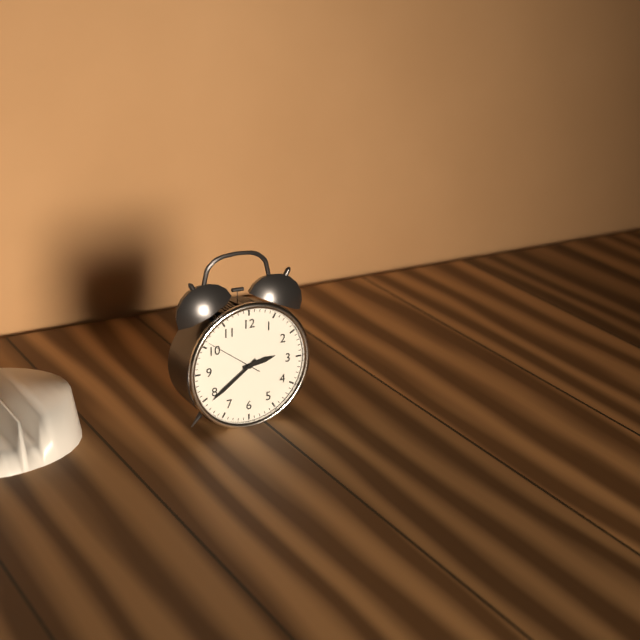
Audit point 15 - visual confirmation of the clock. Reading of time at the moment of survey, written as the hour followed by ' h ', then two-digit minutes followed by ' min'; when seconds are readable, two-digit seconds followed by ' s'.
2 h 39 min 51 s
